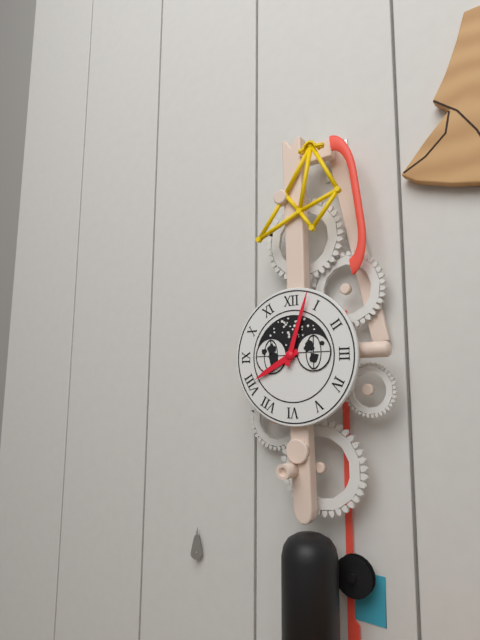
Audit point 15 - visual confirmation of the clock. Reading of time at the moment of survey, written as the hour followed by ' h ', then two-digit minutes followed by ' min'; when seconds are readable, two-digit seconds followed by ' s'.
8 h 03 min
